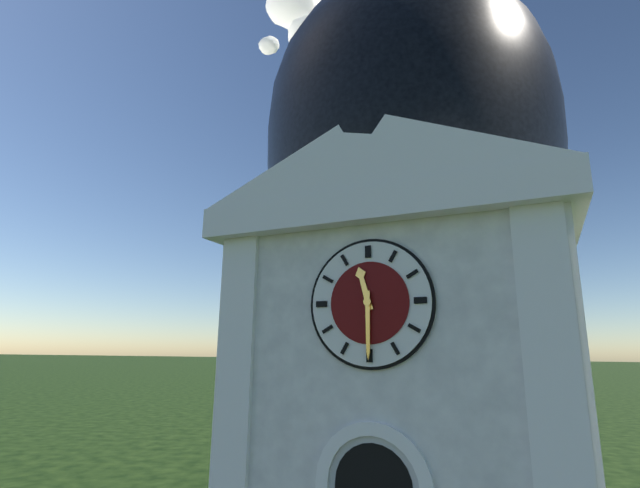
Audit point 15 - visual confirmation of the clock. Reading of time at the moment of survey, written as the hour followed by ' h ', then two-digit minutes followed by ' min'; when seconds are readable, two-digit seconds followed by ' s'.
11 h 30 min
